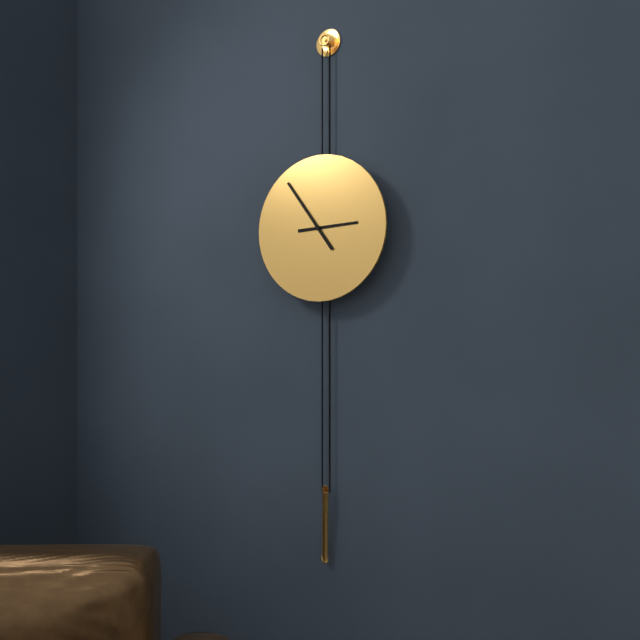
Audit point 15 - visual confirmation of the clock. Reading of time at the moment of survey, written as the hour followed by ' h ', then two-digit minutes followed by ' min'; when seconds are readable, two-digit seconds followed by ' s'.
2 h 54 min
